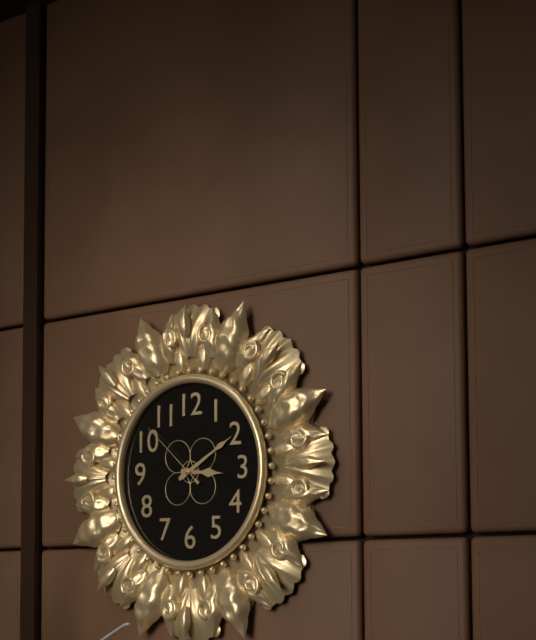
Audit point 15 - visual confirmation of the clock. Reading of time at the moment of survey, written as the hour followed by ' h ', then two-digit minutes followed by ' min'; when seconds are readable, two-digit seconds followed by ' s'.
3 h 10 min 52 s
